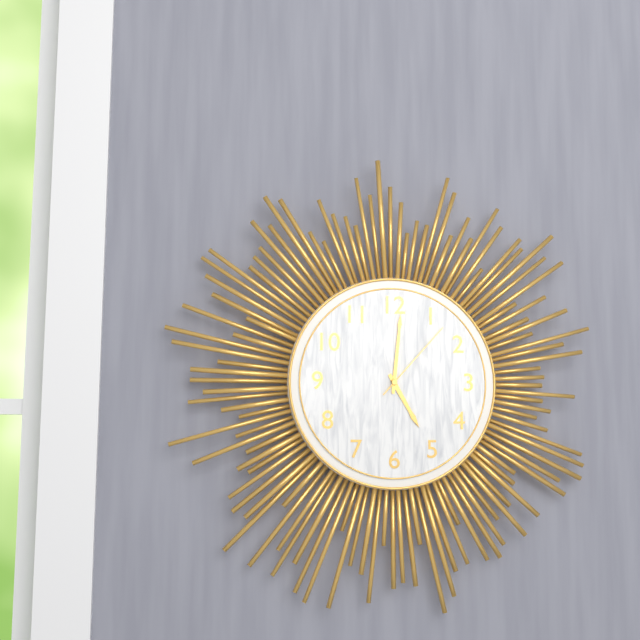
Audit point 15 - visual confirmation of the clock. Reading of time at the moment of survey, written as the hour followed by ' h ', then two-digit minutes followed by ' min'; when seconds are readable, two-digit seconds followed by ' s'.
5 h 01 min 07 s
